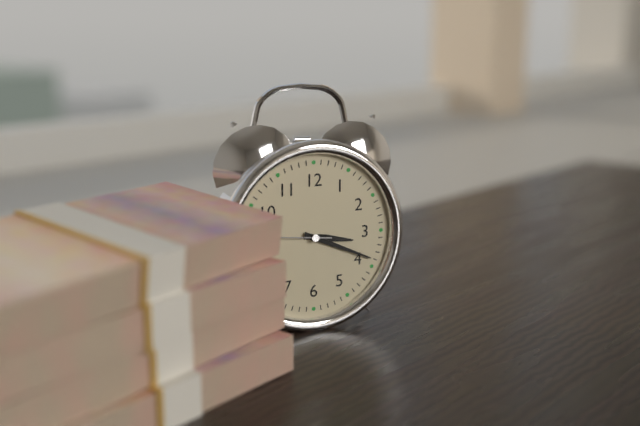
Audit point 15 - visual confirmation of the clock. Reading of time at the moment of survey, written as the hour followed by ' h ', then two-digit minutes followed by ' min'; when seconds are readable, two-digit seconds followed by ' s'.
3 h 19 min
